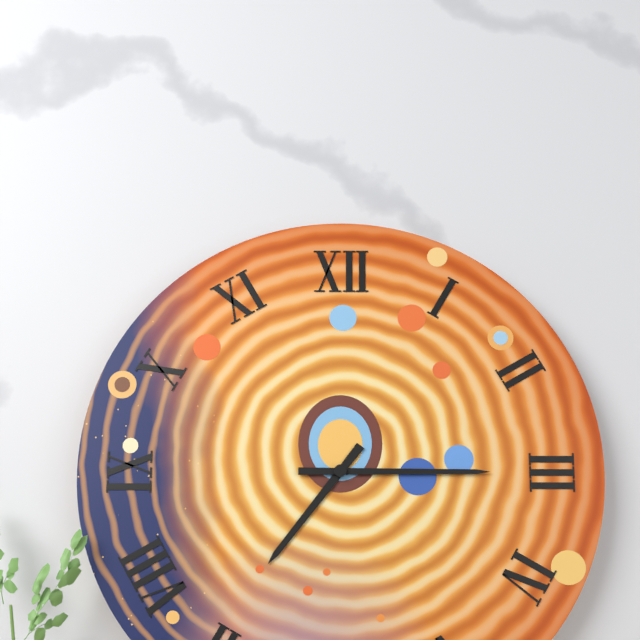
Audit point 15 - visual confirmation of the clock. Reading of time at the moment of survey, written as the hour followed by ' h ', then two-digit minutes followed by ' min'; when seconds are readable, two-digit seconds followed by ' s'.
7 h 15 min
